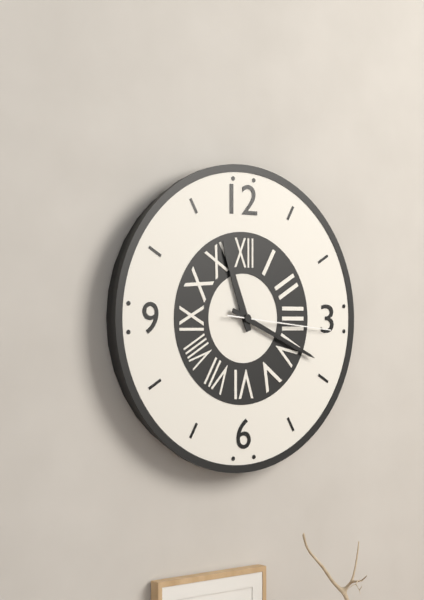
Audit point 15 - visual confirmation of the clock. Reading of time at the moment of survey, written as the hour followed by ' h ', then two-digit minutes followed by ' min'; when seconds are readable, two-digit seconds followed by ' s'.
11 h 19 min 16 s
